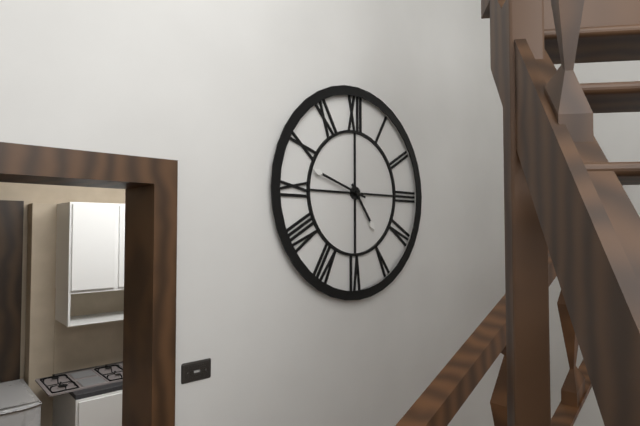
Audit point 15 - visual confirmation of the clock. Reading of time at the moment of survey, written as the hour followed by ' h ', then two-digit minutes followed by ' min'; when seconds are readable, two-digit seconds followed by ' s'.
4 h 48 min
